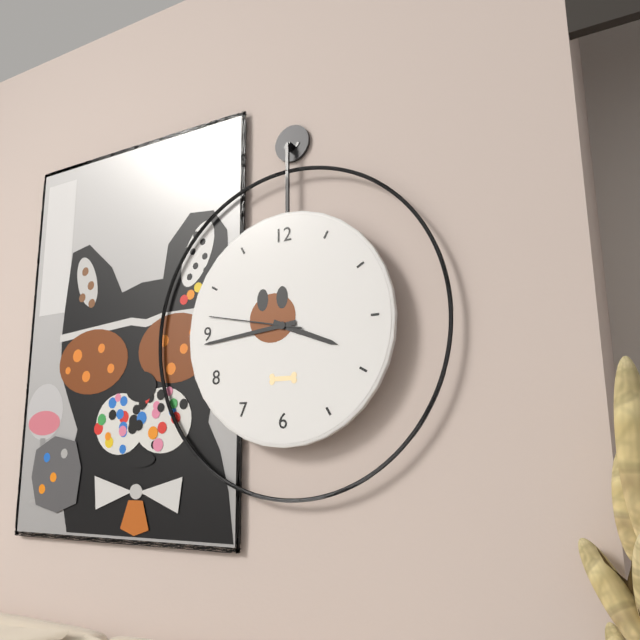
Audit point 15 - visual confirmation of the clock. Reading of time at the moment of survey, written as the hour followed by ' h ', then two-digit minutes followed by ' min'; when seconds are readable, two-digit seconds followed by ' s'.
3 h 44 min 47 s
